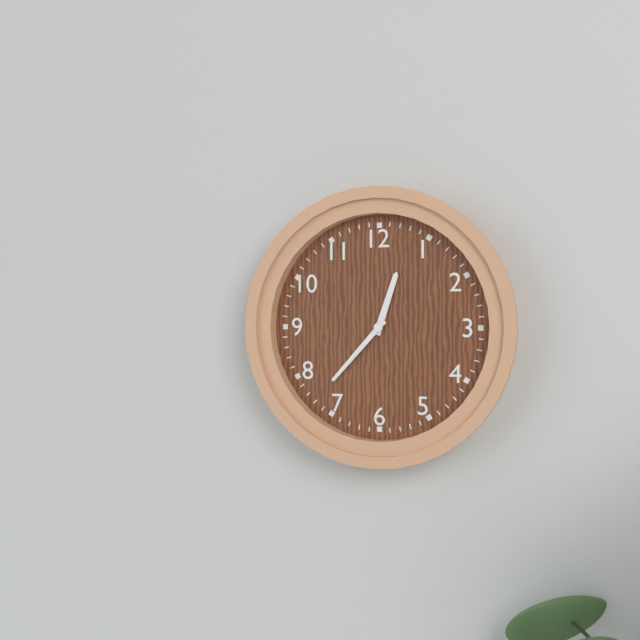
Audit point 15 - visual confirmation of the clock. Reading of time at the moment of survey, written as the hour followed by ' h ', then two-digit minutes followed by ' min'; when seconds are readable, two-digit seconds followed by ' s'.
12 h 37 min
